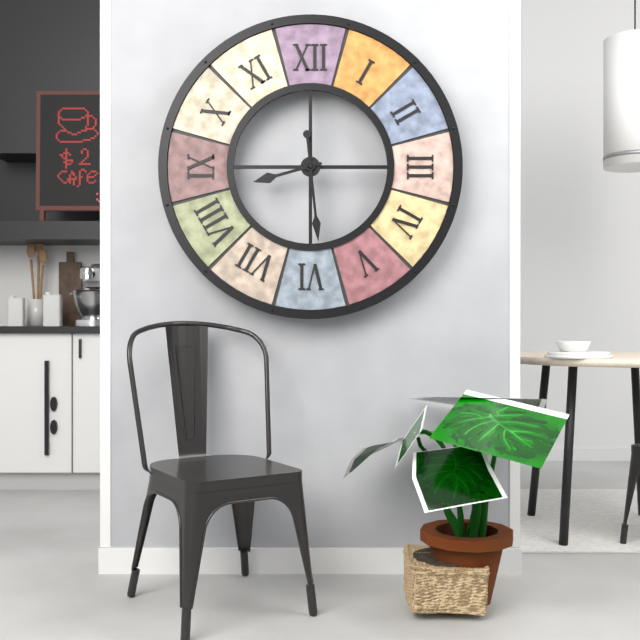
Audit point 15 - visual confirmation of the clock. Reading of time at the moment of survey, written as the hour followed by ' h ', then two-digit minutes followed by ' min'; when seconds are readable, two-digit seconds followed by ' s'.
8 h 29 min
